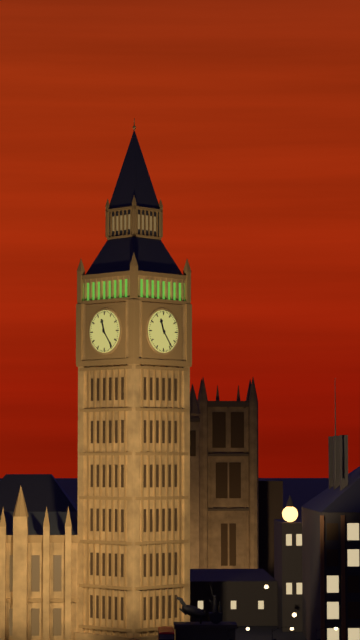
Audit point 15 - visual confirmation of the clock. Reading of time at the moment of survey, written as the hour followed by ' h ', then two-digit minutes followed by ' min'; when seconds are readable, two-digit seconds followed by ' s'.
11 h 24 min
